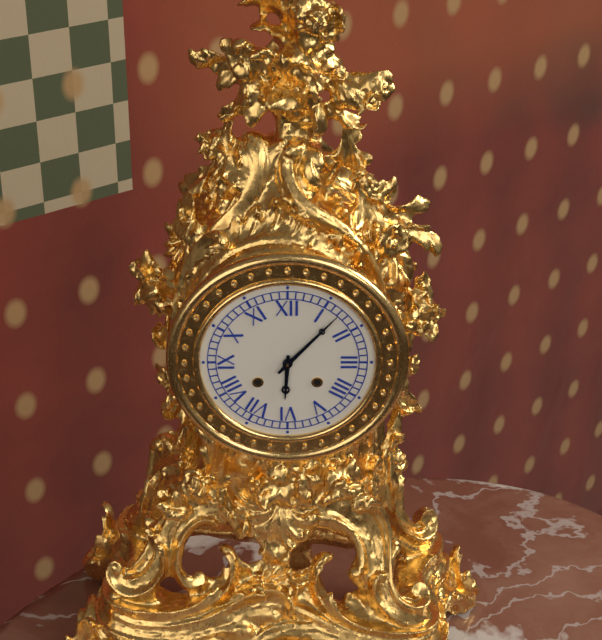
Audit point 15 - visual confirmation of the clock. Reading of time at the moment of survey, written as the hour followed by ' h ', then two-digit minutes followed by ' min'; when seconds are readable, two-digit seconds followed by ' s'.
6 h 07 min
